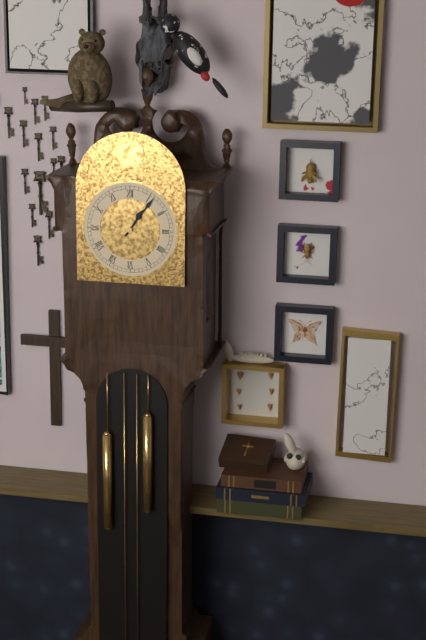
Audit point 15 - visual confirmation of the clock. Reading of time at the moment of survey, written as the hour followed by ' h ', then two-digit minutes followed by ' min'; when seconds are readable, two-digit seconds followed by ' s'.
1 h 06 min
